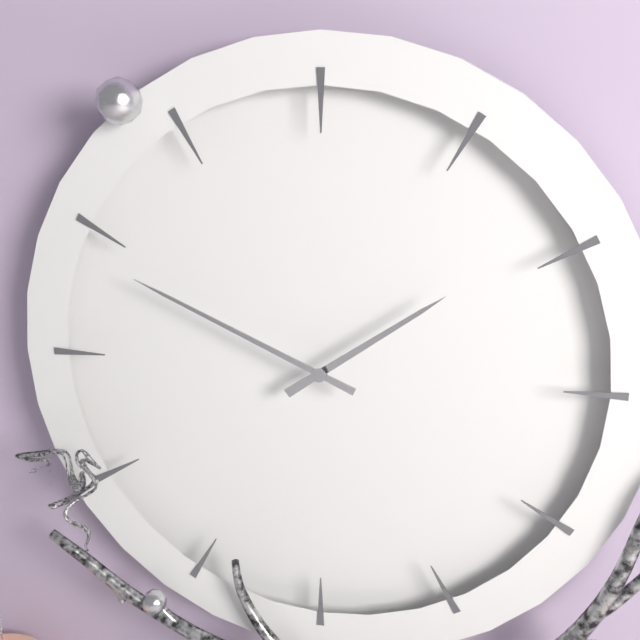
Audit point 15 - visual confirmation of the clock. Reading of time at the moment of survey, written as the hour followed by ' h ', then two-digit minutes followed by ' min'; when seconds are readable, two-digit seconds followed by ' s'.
1 h 49 min
